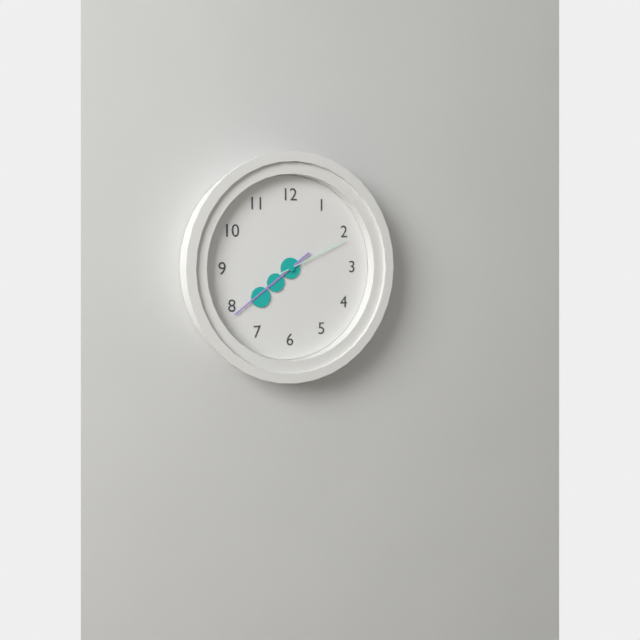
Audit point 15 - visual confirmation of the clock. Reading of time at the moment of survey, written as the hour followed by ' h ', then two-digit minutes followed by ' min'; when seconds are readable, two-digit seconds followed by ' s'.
7 h 39 min 11 s
